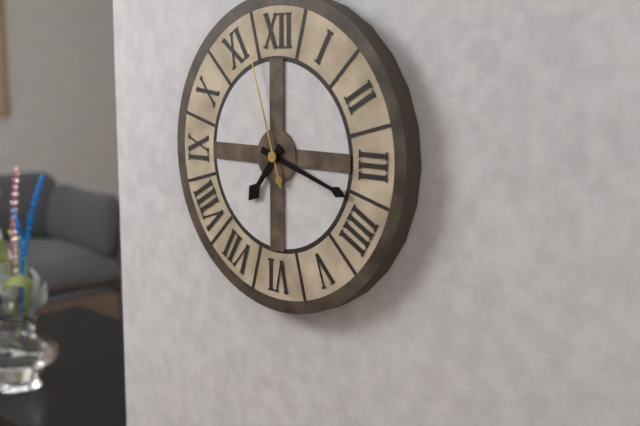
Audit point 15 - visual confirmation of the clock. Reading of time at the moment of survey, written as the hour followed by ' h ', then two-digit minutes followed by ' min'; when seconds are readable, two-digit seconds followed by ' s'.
7 h 18 min 57 s
